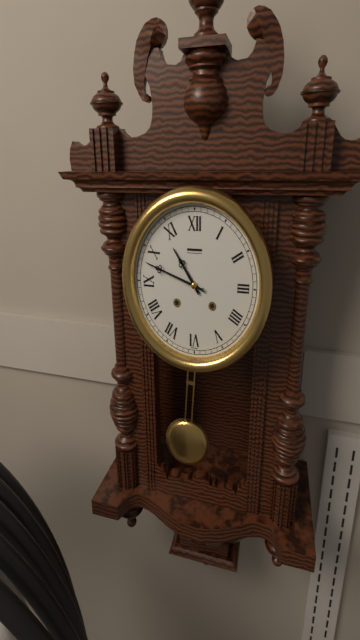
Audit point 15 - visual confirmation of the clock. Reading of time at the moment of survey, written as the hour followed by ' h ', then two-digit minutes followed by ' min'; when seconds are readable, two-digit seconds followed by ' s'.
10 h 48 min
